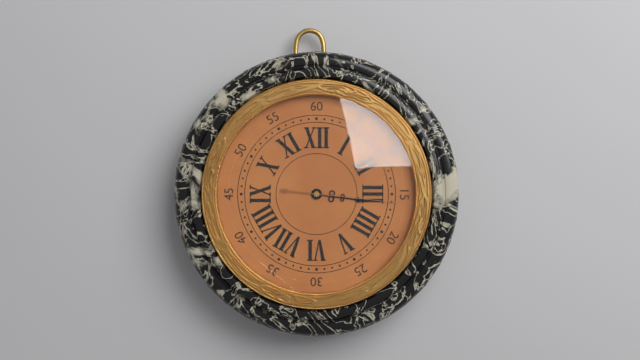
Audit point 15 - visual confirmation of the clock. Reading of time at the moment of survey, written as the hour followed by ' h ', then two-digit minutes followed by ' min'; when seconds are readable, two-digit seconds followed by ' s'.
3 h 16 min
